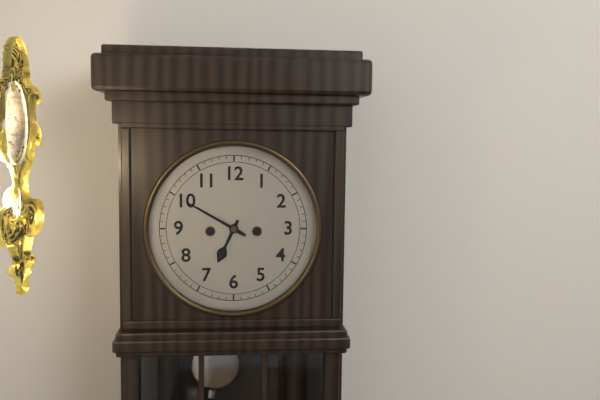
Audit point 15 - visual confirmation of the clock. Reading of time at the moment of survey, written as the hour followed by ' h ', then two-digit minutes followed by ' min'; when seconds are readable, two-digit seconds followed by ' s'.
6 h 50 min
